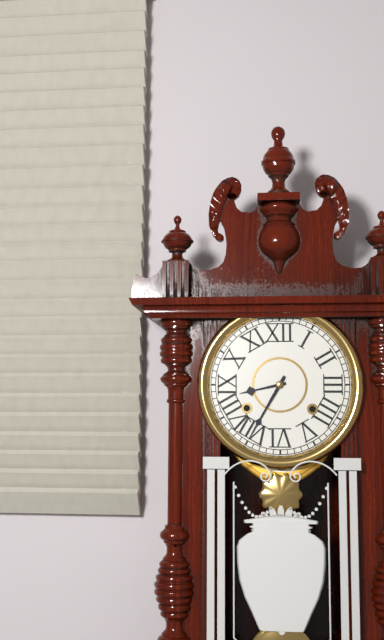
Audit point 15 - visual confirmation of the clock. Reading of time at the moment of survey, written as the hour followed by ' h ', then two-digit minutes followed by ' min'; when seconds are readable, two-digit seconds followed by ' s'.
8 h 35 min
